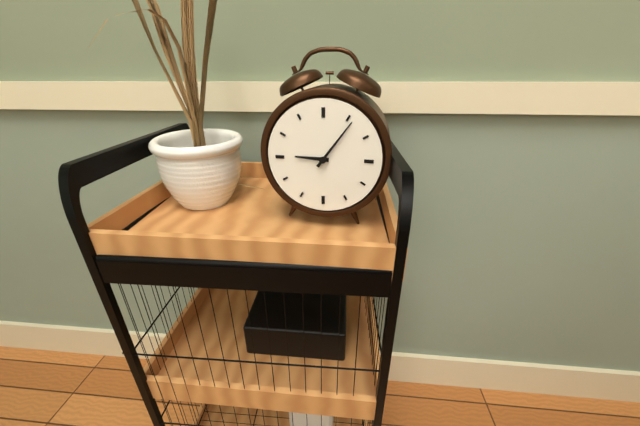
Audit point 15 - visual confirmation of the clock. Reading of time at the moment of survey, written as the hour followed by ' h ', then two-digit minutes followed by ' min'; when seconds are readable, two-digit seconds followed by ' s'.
9 h 06 min
